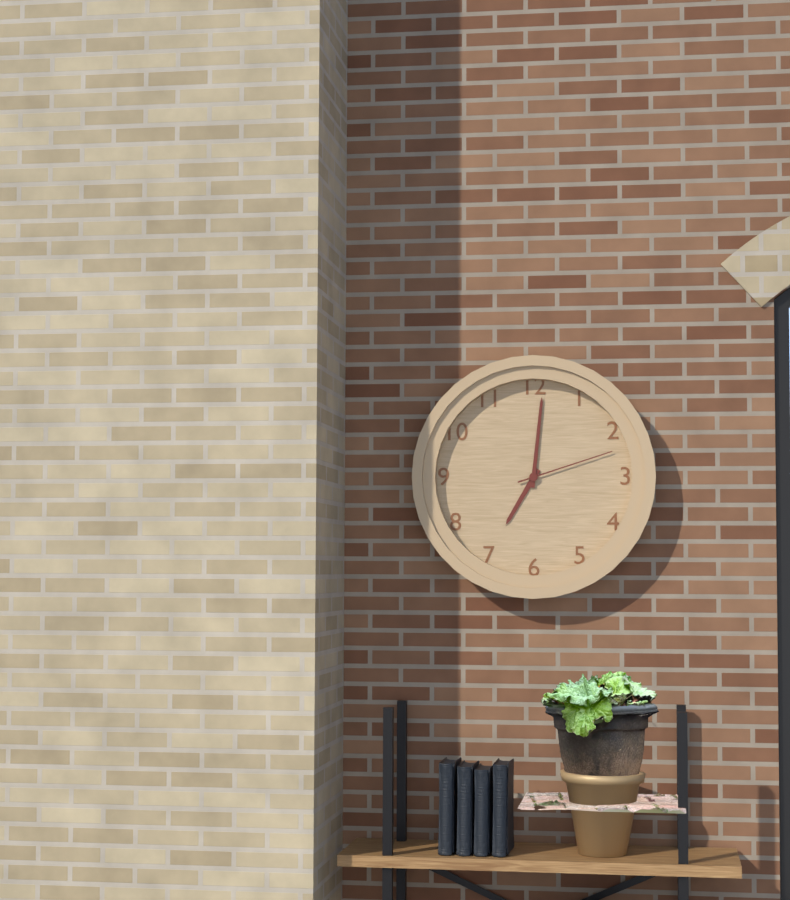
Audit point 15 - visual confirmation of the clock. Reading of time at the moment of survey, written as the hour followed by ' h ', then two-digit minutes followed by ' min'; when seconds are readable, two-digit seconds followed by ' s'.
7 h 01 min 12 s
